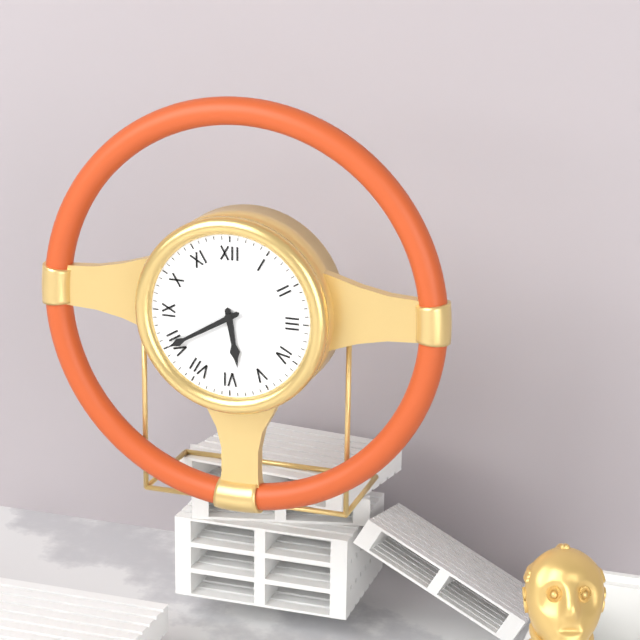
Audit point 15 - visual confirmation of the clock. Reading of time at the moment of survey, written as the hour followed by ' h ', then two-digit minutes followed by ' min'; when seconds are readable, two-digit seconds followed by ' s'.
5 h 40 min
